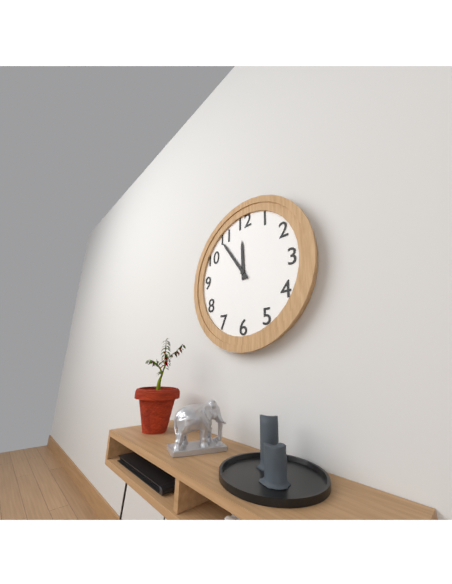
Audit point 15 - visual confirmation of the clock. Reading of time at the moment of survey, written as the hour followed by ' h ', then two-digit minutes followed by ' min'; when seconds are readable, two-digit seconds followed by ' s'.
11 h 54 min
